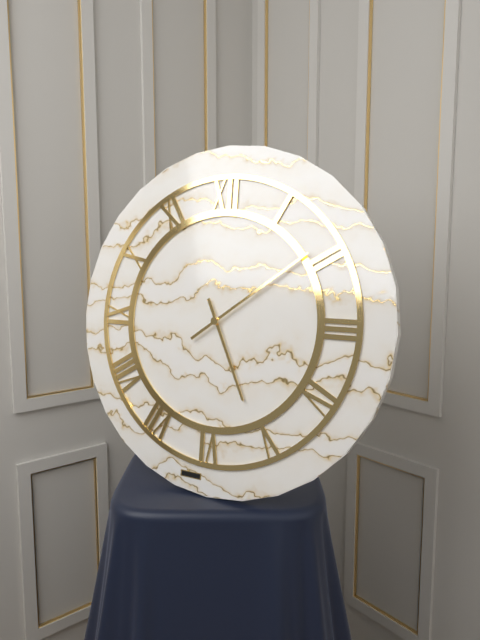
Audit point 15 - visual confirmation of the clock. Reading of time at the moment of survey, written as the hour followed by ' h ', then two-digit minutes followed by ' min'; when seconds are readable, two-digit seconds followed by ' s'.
5 h 09 min
